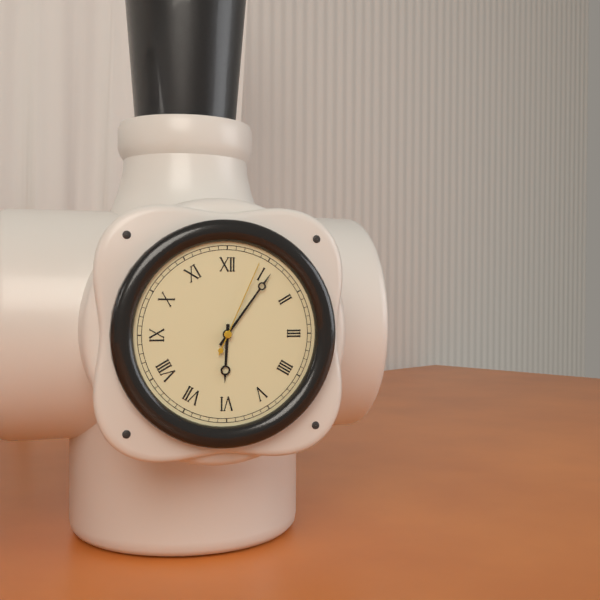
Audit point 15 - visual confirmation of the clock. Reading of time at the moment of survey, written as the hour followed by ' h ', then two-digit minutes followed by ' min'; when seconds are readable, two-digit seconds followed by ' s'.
6 h 06 min 04 s
